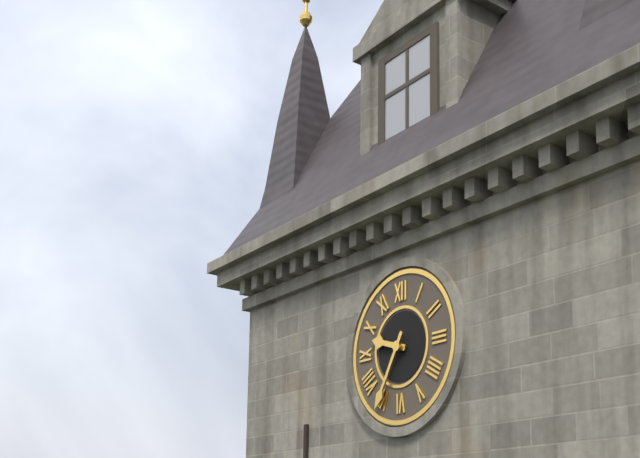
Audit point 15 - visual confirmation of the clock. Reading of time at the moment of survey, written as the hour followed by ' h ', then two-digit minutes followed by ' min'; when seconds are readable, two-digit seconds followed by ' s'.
9 h 35 min
